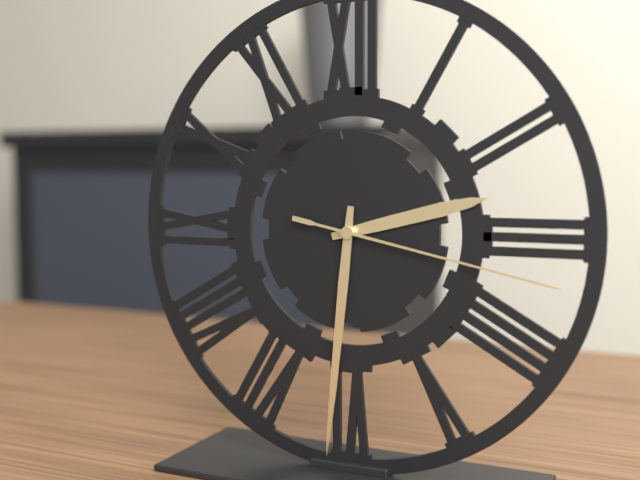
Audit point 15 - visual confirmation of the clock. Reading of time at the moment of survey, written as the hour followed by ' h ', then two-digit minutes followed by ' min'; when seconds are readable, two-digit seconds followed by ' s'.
2 h 31 min 17 s
